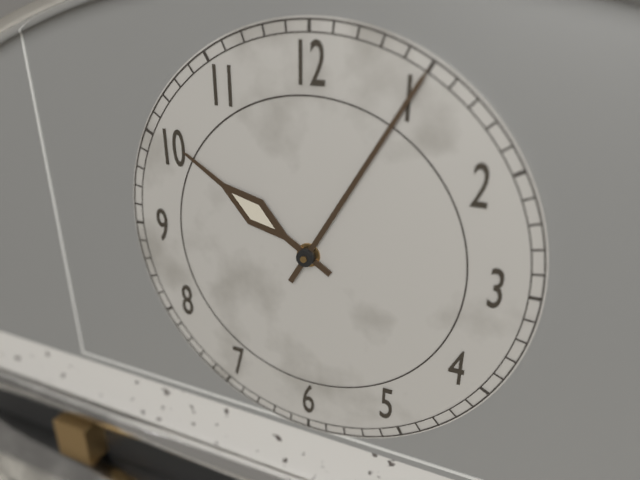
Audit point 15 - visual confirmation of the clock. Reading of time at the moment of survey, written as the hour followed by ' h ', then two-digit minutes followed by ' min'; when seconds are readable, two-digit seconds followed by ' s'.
10 h 05 min
